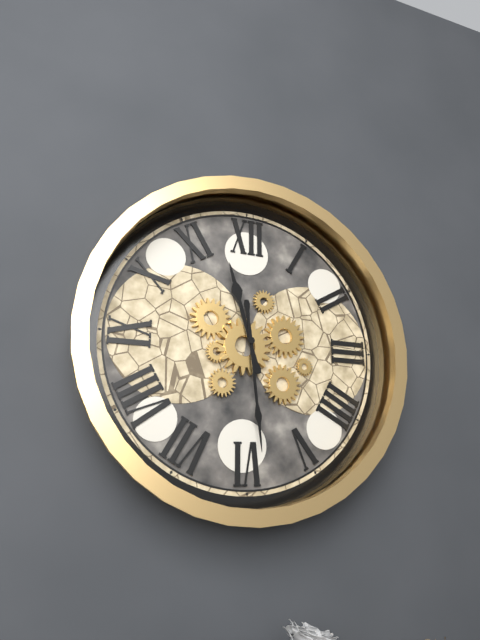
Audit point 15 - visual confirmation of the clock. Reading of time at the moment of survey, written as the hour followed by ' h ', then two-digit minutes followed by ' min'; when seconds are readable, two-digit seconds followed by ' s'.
11 h 29 min
